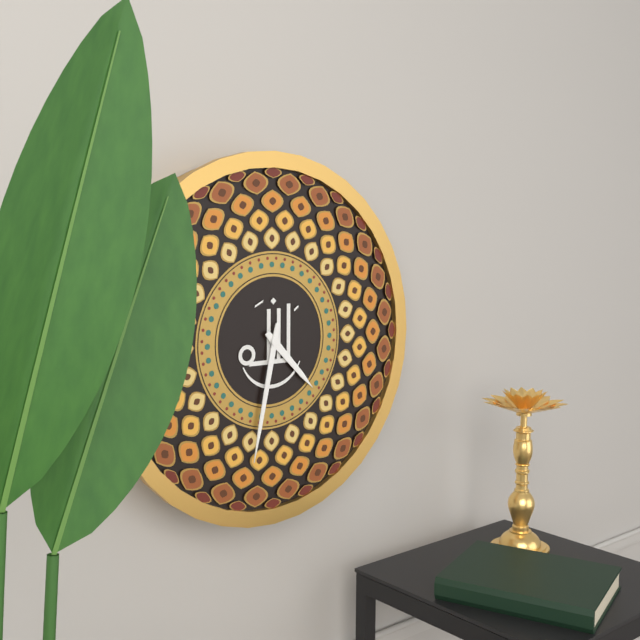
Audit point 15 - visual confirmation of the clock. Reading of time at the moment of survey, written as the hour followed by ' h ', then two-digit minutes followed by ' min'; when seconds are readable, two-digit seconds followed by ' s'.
4 h 32 min
